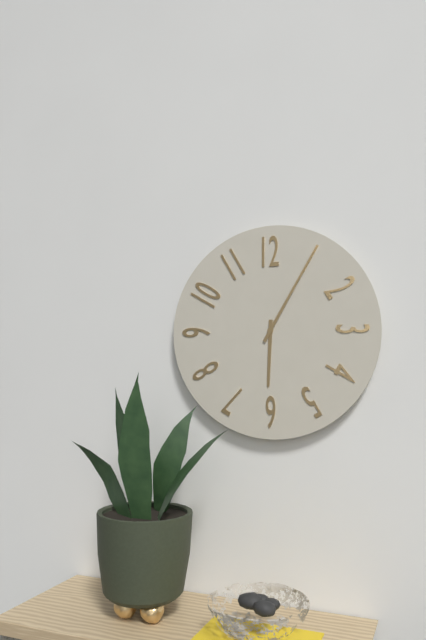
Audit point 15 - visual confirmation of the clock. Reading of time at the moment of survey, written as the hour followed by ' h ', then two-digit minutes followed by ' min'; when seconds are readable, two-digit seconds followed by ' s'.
6 h 05 min
